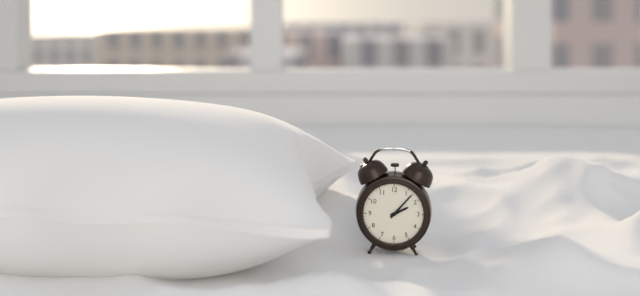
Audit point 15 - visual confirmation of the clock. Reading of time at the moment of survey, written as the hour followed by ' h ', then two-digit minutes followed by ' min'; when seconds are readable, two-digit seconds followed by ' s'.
2 h 07 min
